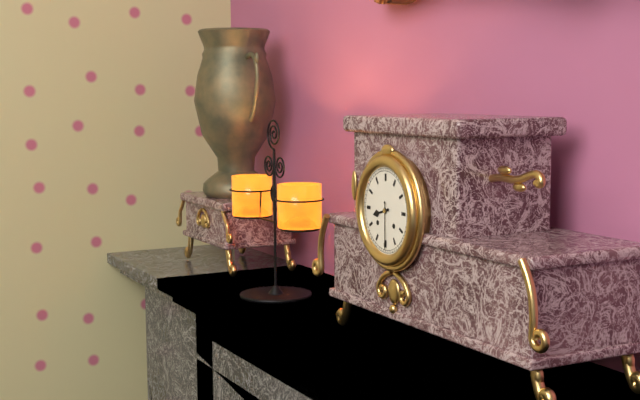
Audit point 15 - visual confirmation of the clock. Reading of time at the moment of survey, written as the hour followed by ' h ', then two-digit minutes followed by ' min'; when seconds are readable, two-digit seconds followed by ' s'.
8 h 30 min
